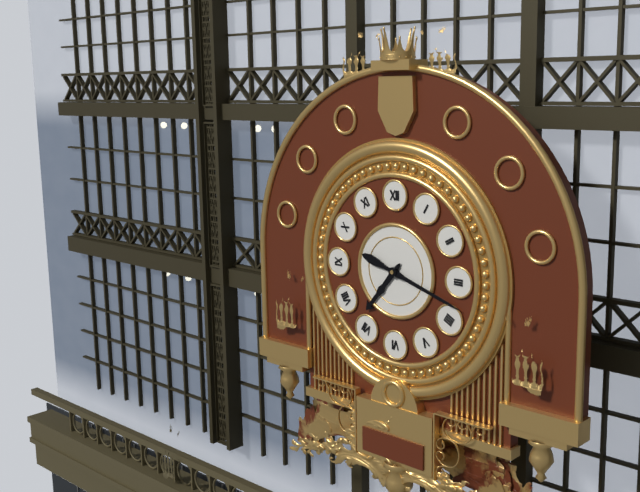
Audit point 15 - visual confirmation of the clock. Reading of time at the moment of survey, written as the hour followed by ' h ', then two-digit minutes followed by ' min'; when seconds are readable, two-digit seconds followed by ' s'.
7 h 18 min
